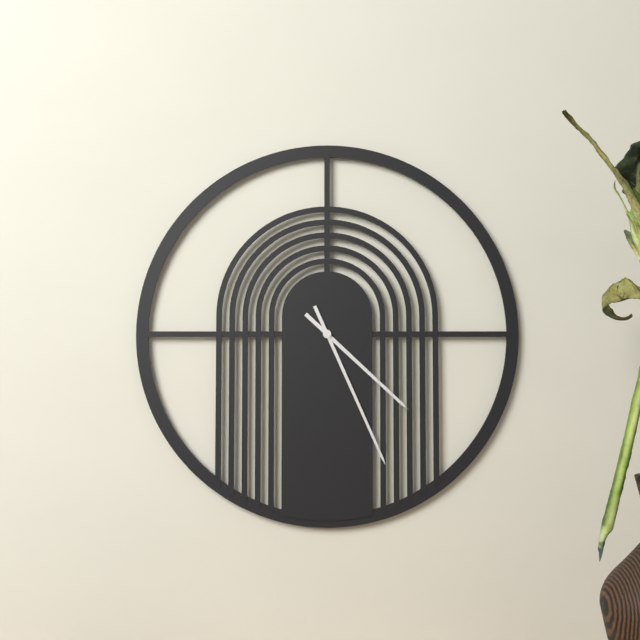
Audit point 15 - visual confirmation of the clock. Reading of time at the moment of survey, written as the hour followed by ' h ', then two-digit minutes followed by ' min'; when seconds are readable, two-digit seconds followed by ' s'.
4 h 26 min
